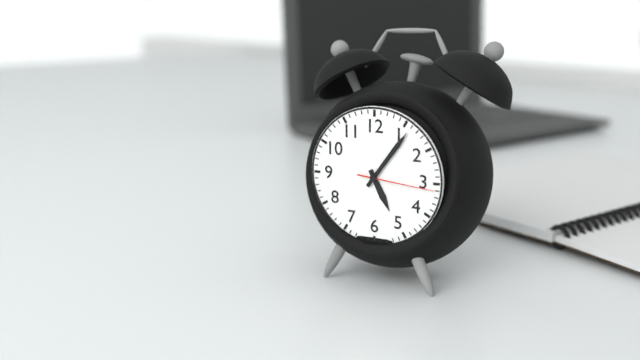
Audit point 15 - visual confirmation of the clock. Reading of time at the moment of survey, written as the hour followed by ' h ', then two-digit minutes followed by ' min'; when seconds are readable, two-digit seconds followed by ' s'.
5 h 06 min 16 s
